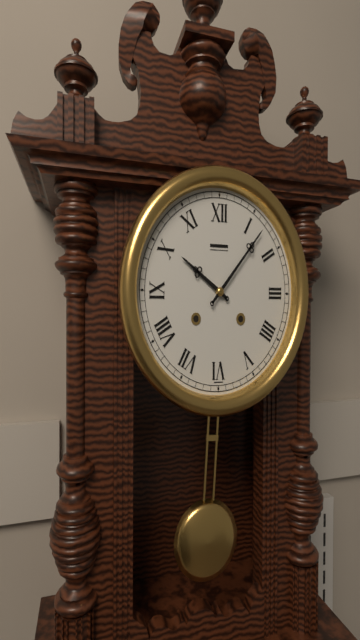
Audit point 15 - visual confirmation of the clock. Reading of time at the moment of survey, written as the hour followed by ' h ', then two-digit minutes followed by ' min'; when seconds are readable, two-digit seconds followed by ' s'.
10 h 07 min
